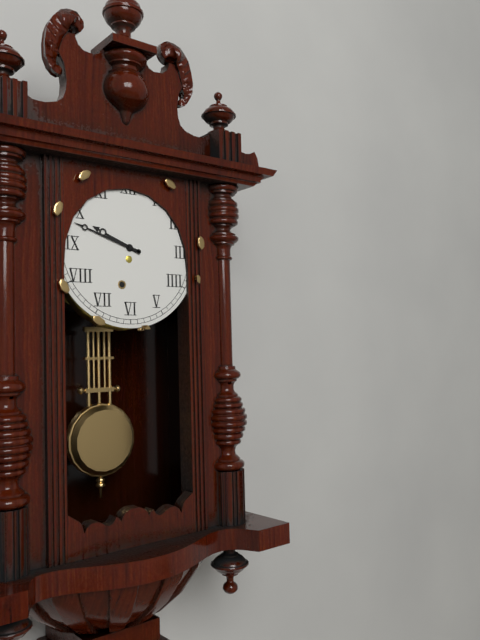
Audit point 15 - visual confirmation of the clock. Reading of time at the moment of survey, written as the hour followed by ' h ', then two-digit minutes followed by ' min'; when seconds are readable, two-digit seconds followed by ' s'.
9 h 48 min
